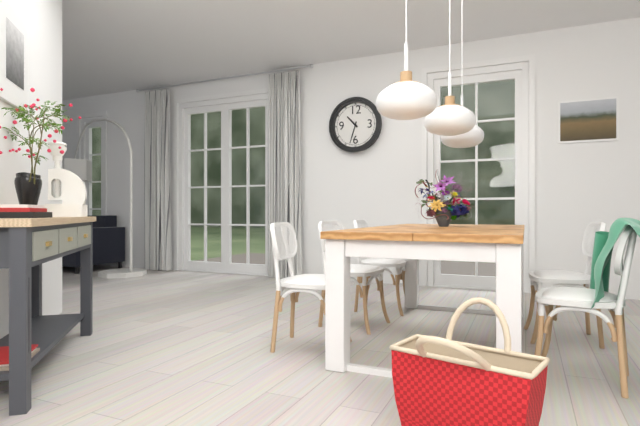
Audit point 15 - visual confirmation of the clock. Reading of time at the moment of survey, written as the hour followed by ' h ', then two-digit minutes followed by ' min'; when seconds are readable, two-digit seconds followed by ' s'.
10 h 33 min
